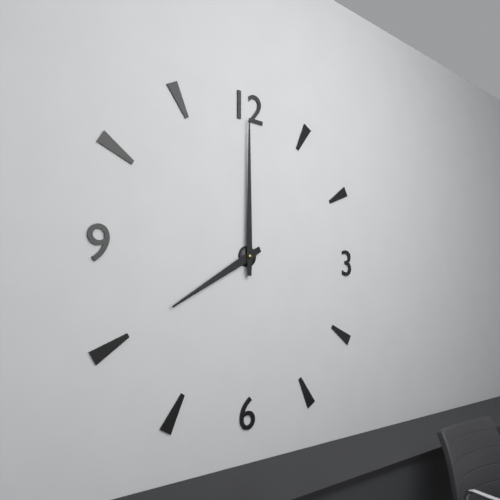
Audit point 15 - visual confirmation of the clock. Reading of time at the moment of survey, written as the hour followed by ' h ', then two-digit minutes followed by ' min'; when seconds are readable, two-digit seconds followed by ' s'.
8 h 00 min
